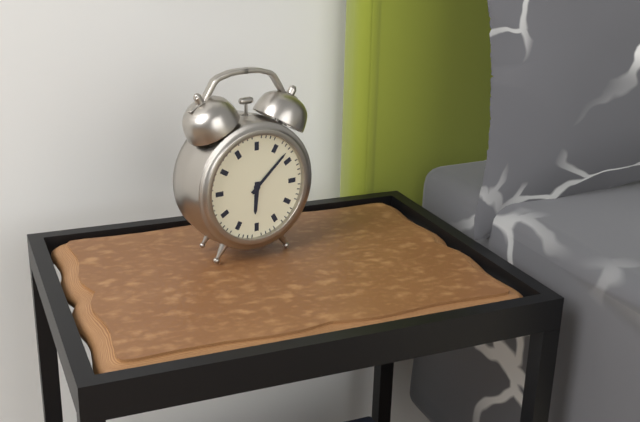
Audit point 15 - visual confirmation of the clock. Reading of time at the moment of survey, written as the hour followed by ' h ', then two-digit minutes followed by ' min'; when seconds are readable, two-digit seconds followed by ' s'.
6 h 08 min
